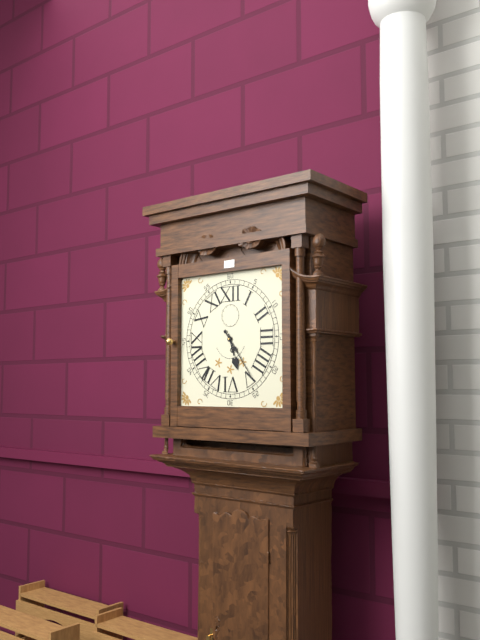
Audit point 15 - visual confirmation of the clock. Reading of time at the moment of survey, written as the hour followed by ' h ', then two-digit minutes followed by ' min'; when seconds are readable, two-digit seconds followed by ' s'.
5 h 24 min
